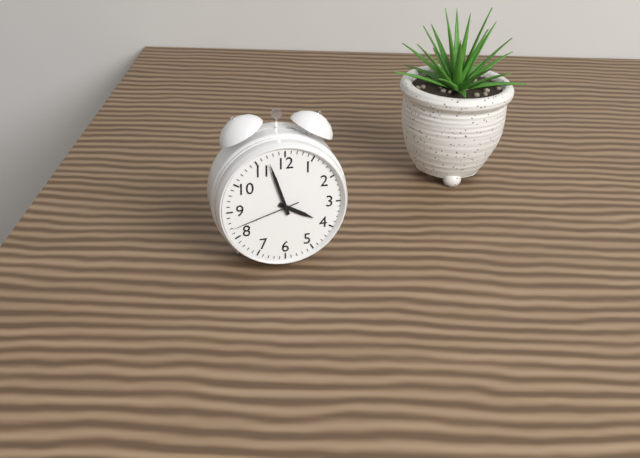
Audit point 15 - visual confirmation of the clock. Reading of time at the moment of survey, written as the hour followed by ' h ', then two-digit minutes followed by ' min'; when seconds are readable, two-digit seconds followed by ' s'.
3 h 57 min 42 s
